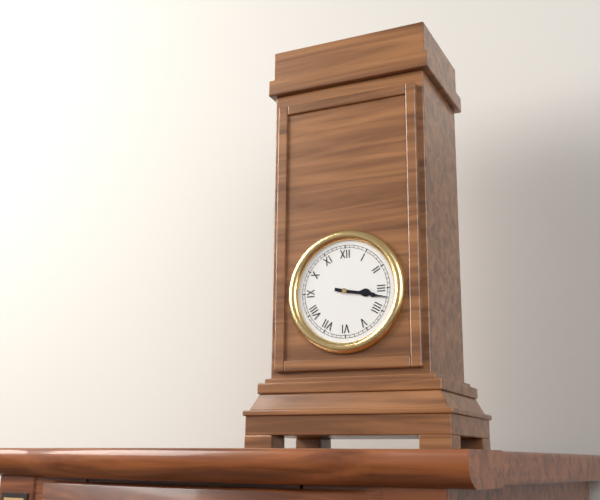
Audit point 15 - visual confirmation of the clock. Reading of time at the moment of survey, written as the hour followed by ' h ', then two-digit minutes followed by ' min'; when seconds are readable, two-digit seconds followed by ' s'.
3 h 17 min
